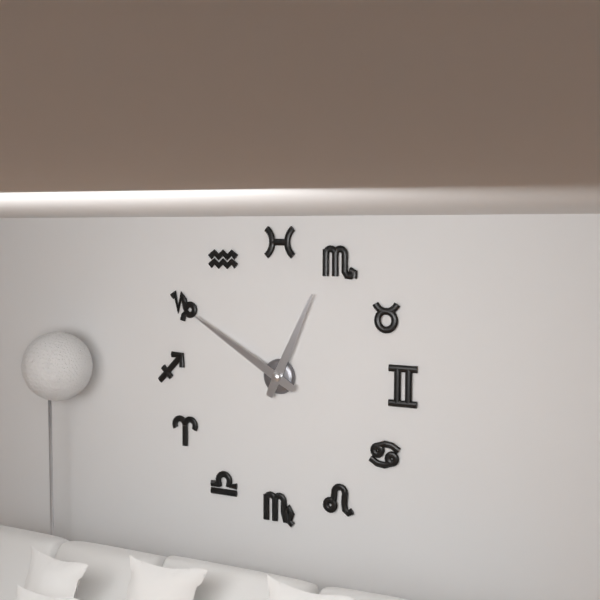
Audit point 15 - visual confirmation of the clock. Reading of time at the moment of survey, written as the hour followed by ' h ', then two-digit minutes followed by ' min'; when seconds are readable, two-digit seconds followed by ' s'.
12 h 50 min
